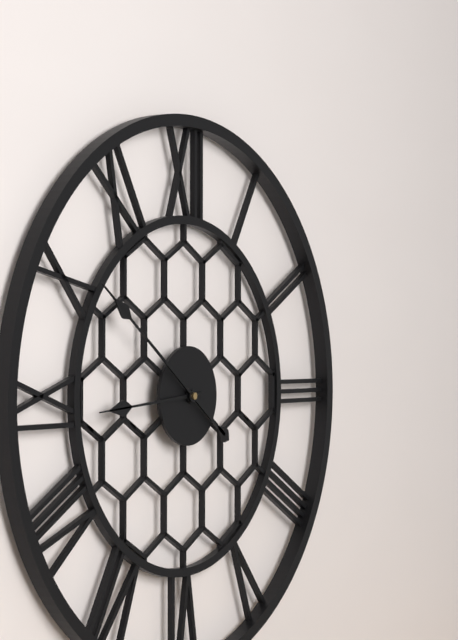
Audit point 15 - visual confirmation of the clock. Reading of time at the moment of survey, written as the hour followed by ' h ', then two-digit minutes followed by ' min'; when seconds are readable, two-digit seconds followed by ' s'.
8 h 51 min
